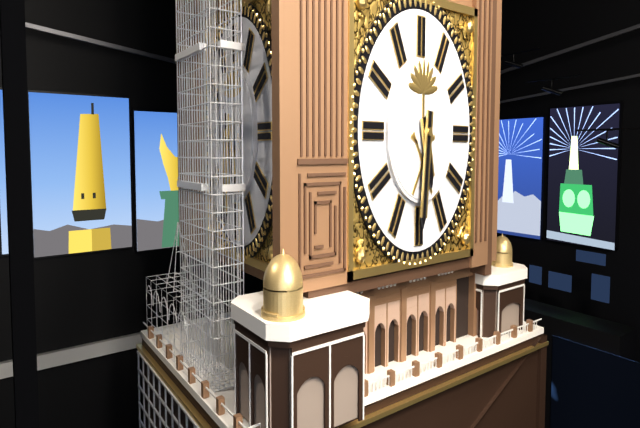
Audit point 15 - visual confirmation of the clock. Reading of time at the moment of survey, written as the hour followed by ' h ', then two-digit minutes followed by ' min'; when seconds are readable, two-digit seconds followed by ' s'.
5 h 31 min
